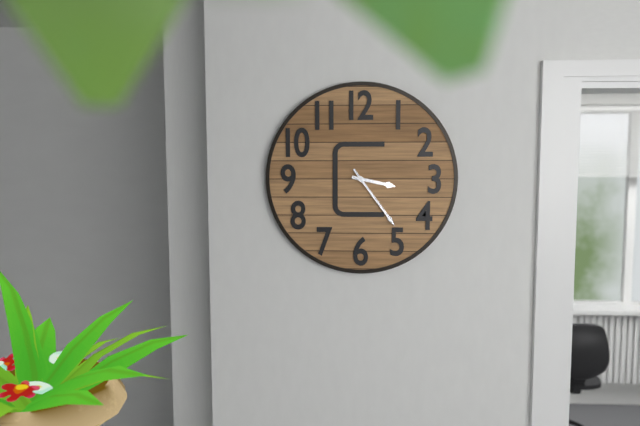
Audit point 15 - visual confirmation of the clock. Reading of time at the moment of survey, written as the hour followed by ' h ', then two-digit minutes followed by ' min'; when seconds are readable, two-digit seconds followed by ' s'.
3 h 24 min
